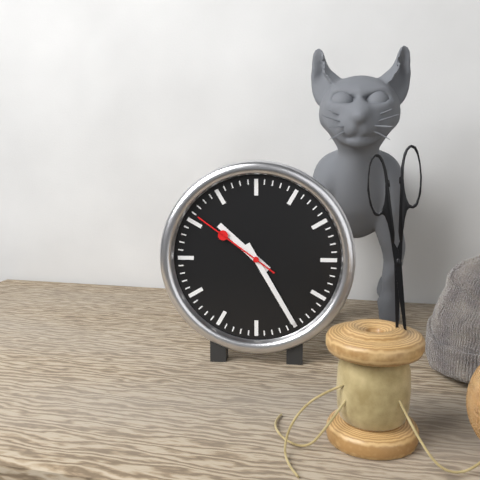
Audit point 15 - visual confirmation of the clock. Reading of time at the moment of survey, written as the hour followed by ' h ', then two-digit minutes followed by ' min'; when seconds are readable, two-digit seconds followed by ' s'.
10 h 25 min 51 s
